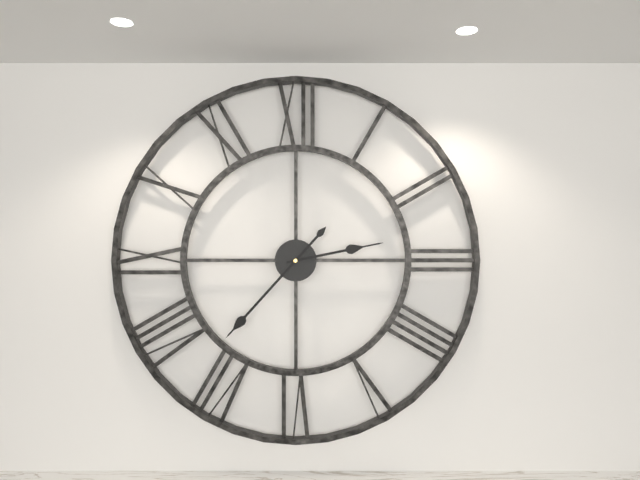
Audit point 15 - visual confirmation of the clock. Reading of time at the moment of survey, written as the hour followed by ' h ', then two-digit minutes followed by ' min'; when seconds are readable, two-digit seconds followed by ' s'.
2 h 37 min
